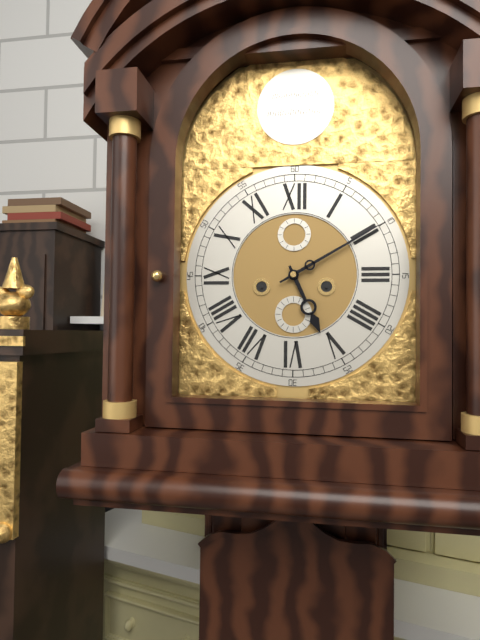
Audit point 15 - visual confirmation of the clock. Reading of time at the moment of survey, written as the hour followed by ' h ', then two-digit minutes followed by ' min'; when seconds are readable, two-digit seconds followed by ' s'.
5 h 10 min
